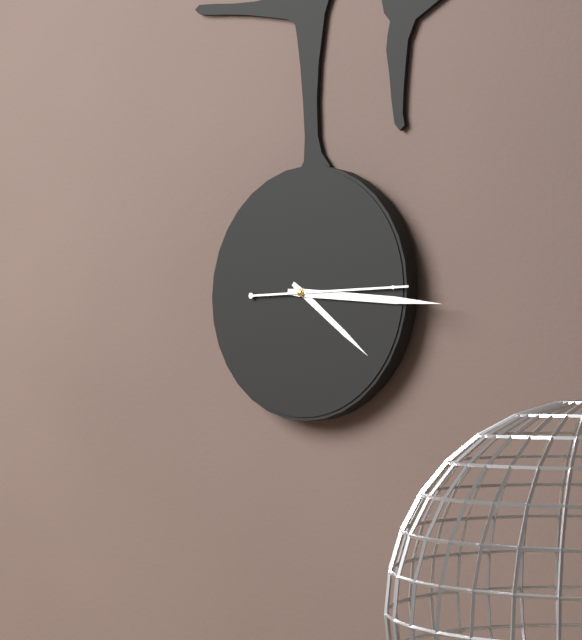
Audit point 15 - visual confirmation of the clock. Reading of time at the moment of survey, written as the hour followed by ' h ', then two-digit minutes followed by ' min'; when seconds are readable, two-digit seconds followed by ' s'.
4 h 16 min 15 s
